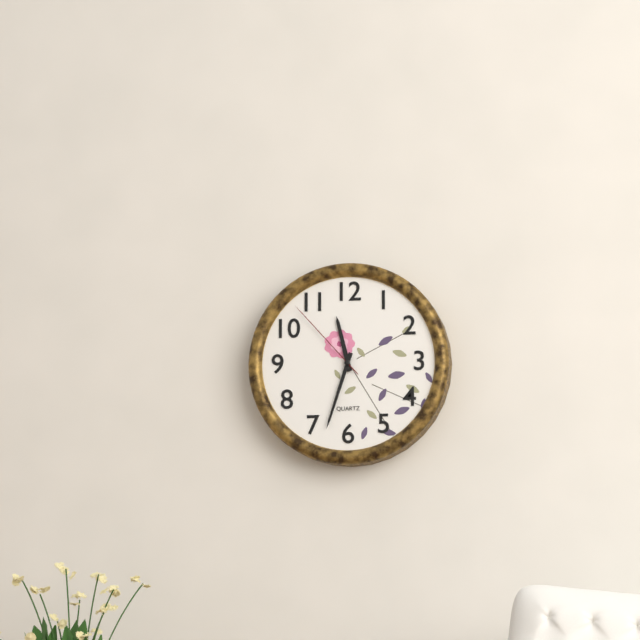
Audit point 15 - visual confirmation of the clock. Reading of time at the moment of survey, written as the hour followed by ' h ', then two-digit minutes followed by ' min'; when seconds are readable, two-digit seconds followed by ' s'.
11 h 33 min 53 s
